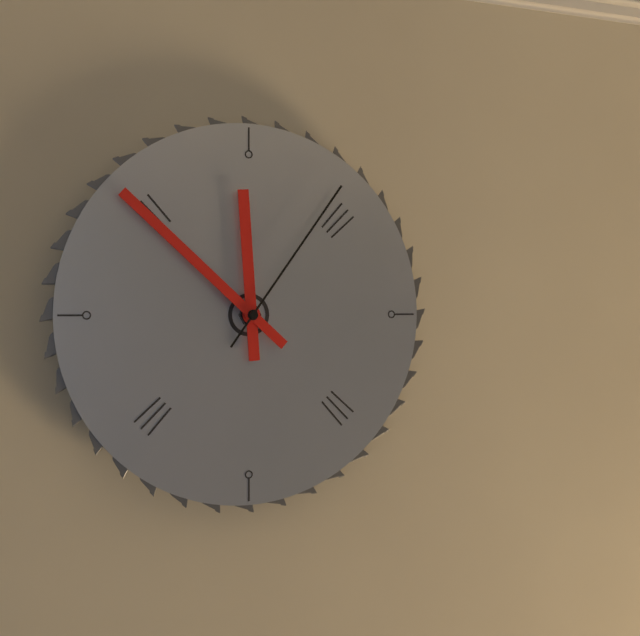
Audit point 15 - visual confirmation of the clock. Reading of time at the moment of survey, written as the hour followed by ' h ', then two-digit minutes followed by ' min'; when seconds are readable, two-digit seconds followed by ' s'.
11 h 52 min 06 s
